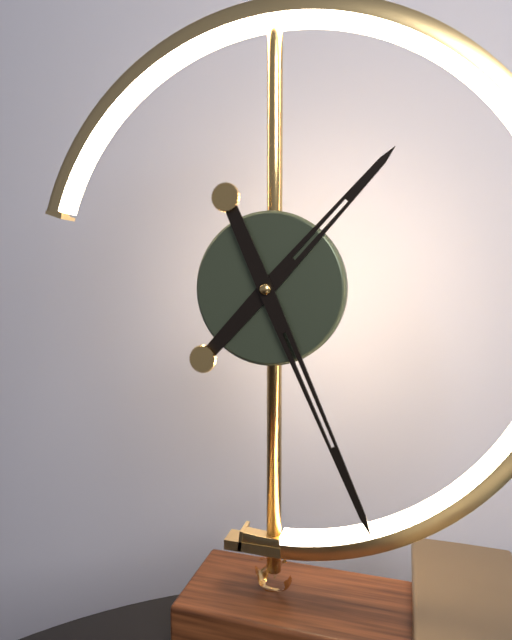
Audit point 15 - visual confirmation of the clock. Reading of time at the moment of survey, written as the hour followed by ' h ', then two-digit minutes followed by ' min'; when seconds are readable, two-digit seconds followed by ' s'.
1 h 26 min
